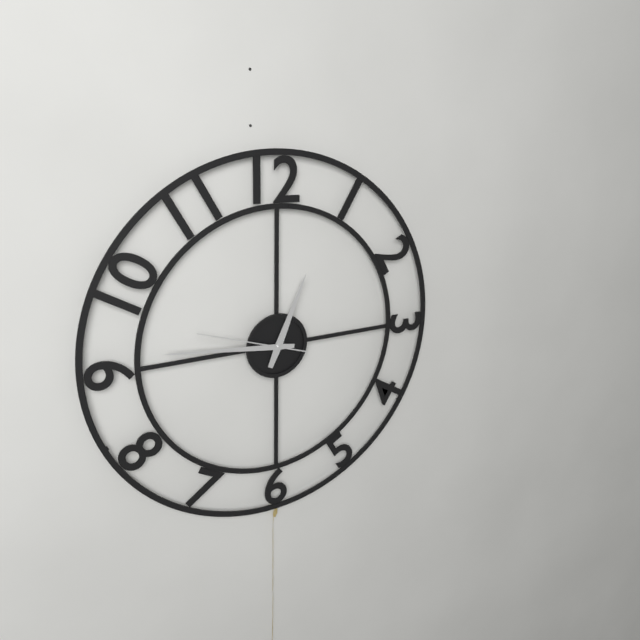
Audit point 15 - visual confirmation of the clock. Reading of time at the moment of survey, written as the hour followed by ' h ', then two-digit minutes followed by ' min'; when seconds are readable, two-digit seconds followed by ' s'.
12 h 46 min 48 s
